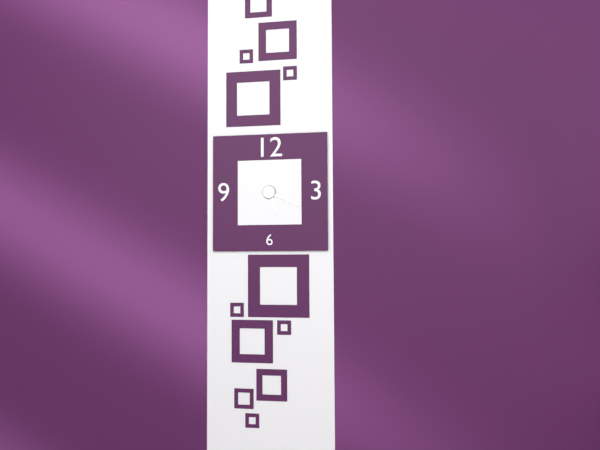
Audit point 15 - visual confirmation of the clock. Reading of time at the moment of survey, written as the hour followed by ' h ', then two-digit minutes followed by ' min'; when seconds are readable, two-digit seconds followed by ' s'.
5 h 19 min
